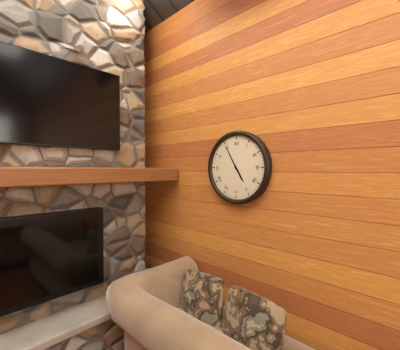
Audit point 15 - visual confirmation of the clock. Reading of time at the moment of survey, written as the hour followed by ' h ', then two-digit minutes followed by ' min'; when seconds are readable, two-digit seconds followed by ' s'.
4 h 55 min
